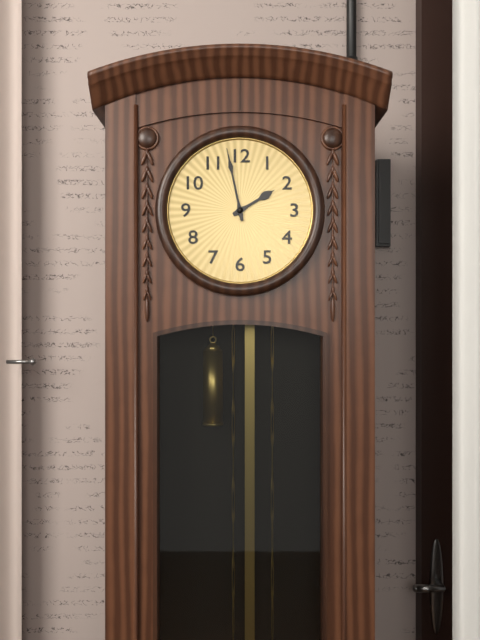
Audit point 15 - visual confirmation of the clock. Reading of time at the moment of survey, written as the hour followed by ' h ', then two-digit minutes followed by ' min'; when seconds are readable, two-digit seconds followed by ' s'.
1 h 58 min
